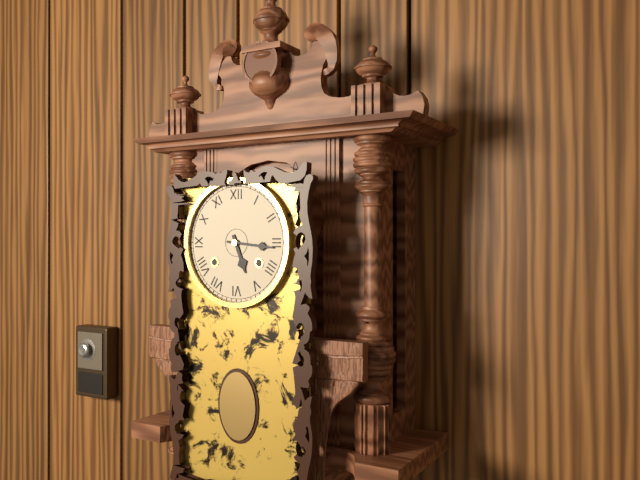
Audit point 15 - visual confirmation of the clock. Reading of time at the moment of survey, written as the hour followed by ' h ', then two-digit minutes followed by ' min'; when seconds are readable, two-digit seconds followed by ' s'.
5 h 16 min
